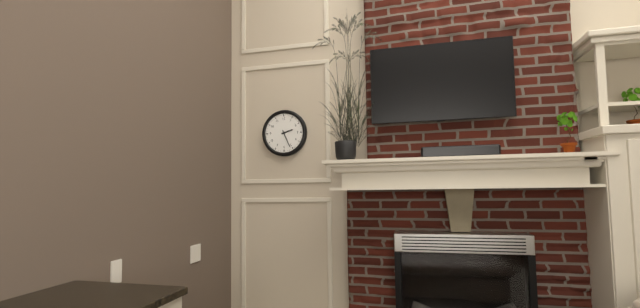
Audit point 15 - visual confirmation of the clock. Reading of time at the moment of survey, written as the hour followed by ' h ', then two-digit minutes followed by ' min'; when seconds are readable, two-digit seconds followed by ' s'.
2 h 26 min
